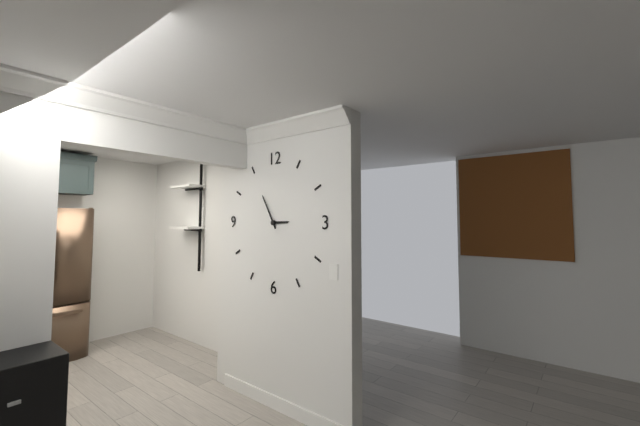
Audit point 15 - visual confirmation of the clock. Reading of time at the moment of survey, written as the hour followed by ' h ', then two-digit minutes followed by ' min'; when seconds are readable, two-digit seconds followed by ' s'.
2 h 55 min
